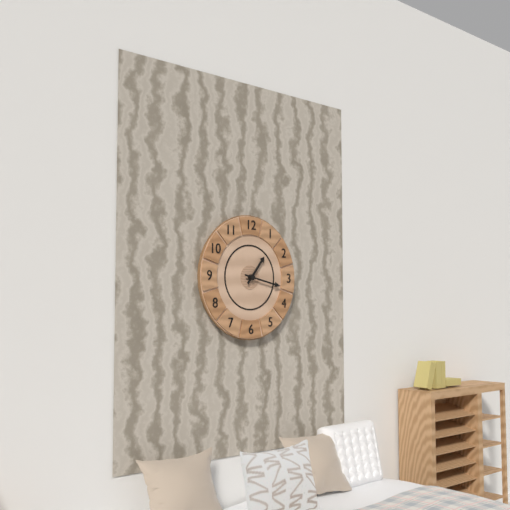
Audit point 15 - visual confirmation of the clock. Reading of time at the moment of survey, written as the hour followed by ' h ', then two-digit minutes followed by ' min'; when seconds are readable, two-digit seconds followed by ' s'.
1 h 17 min
